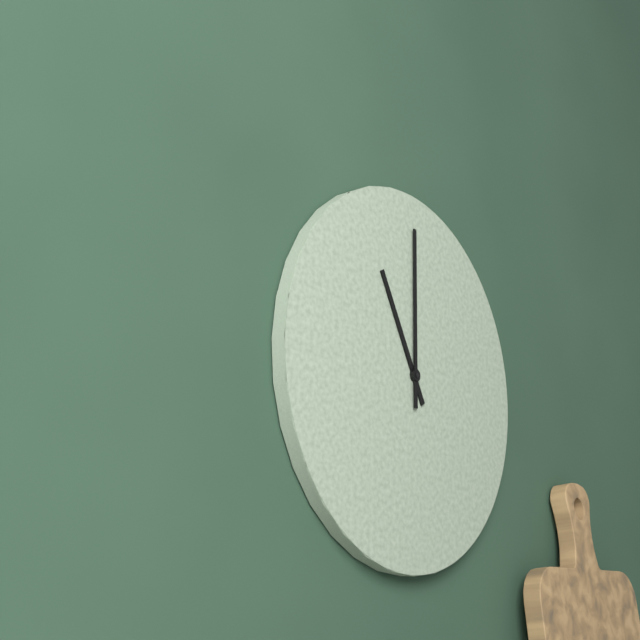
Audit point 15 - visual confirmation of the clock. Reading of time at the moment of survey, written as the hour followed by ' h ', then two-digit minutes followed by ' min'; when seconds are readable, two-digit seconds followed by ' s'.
11 h 00 min
